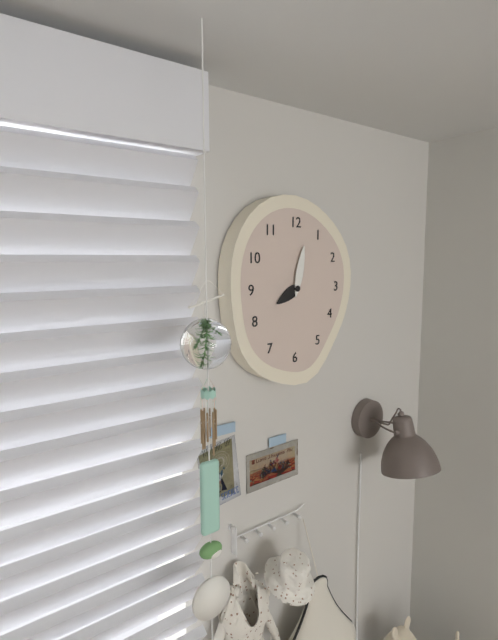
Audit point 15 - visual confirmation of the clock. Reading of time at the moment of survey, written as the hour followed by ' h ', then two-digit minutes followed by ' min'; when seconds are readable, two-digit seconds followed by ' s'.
8 h 02 min
